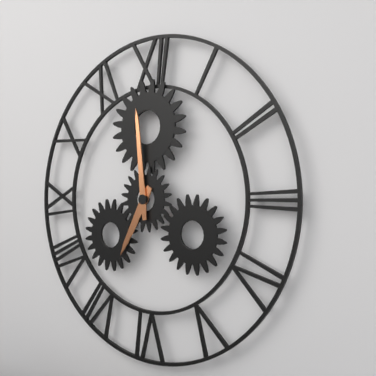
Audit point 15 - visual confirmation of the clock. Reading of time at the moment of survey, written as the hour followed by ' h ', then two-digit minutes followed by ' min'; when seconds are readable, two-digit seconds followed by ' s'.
6 h 59 min
